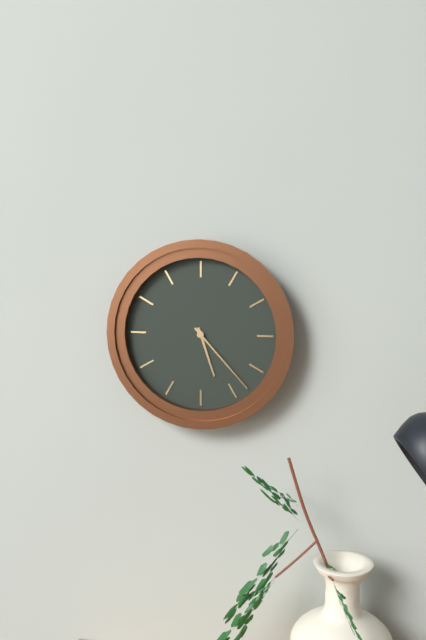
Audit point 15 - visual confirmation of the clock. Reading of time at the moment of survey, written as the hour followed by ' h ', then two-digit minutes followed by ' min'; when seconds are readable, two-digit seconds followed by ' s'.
5 h 23 min
